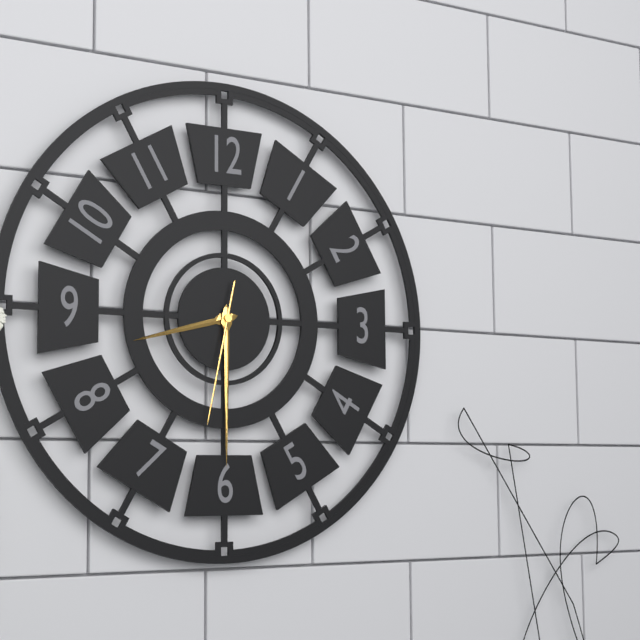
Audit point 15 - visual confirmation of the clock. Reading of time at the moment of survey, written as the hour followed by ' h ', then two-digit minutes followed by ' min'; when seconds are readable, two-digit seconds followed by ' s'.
8 h 30 min 32 s
